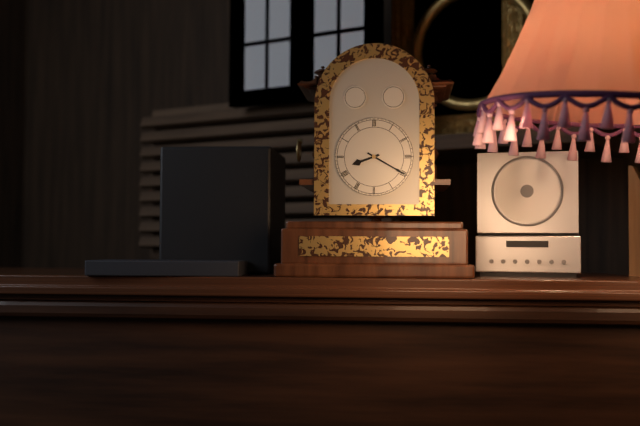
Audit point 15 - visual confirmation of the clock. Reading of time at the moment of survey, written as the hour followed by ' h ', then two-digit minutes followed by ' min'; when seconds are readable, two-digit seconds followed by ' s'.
8 h 20 min
